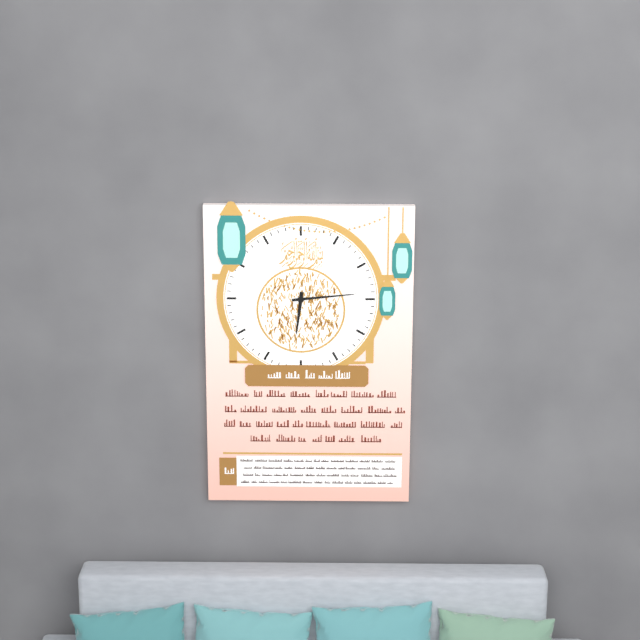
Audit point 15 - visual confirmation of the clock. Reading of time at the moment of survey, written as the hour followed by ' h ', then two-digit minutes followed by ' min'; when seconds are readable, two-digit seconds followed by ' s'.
6 h 14 min
